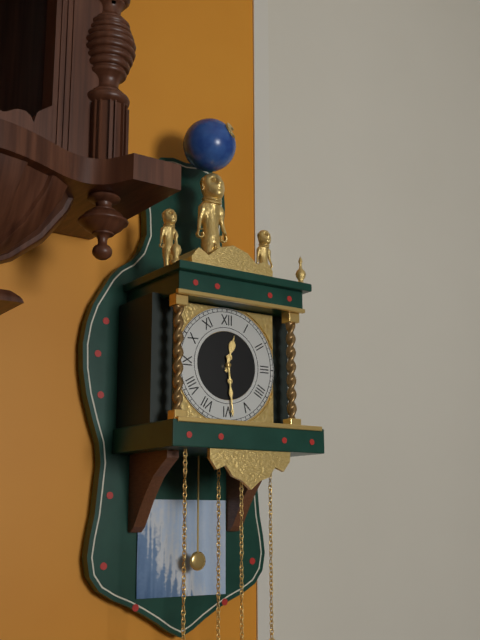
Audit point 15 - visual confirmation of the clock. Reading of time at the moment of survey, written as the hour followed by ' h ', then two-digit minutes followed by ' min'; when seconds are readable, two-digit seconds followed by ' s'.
12 h 29 min
